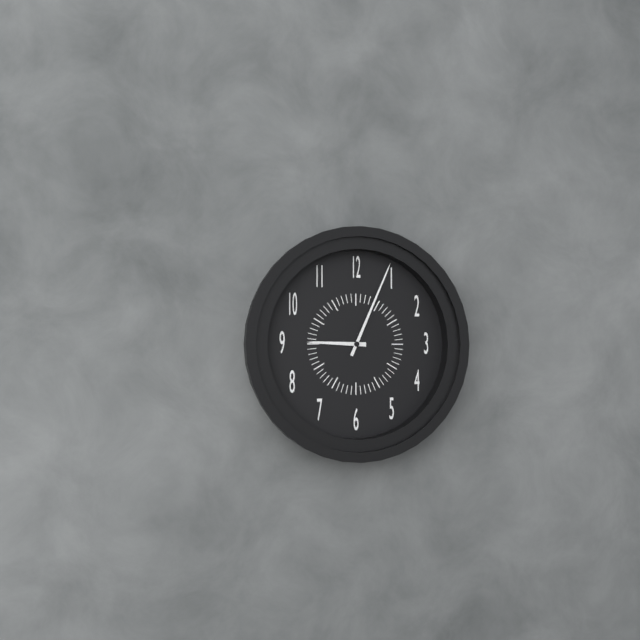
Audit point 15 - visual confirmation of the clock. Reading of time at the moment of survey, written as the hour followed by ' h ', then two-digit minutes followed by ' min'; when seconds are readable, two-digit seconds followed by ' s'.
9 h 04 min
